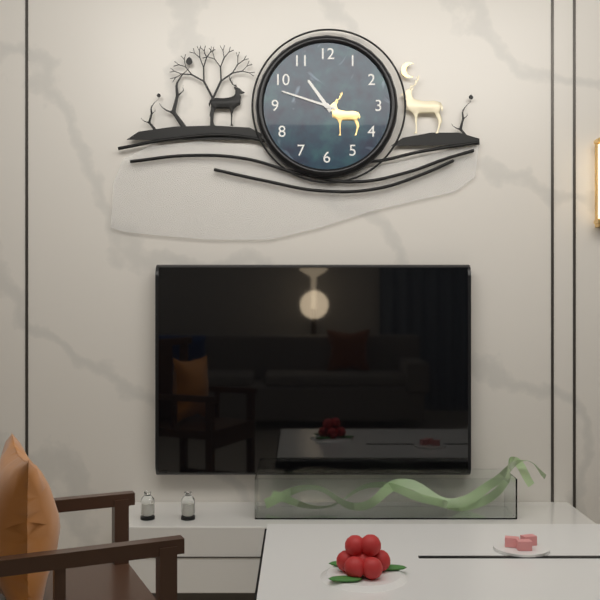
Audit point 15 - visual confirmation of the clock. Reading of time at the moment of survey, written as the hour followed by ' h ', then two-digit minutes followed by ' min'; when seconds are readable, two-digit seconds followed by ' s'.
10 h 48 min
